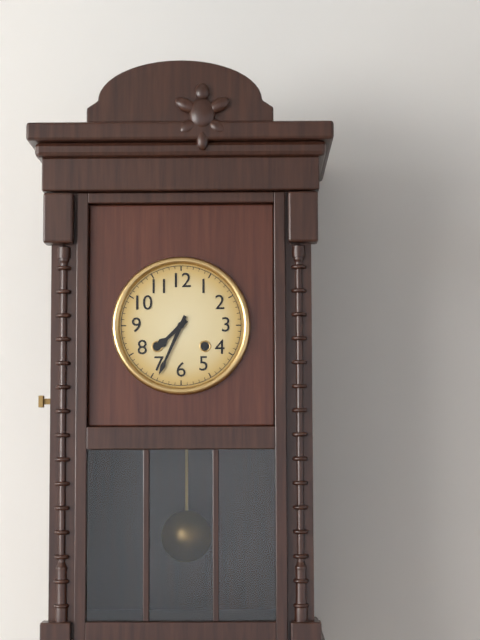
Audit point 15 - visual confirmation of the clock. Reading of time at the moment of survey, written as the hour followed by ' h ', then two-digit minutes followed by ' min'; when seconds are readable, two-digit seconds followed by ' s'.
7 h 34 min
